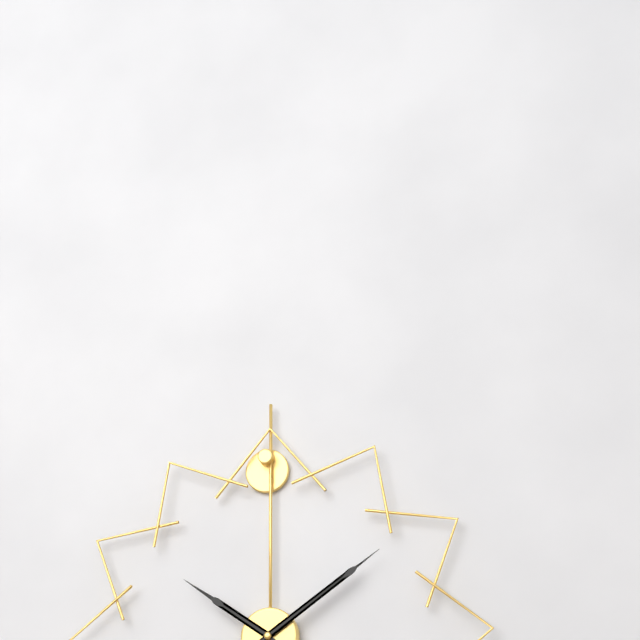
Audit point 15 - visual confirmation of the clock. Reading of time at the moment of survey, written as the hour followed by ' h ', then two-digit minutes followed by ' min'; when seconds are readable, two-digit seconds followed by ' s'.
10 h 09 min
